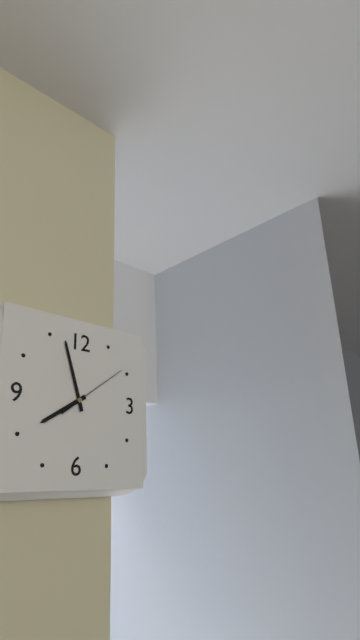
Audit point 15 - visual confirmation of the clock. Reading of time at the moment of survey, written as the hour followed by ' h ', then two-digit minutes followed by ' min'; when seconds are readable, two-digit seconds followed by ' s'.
7 h 57 min 09 s
